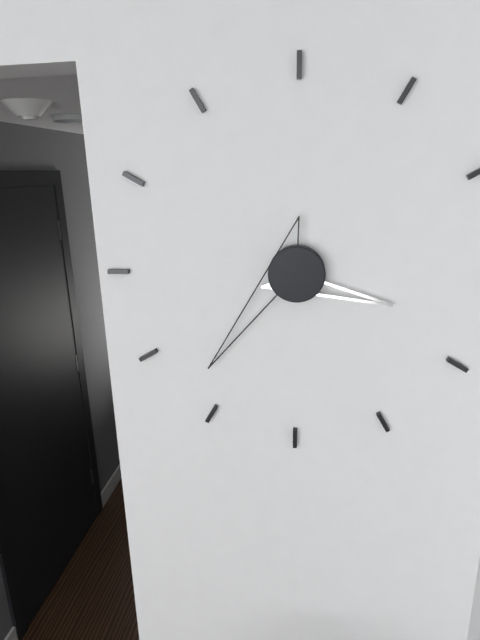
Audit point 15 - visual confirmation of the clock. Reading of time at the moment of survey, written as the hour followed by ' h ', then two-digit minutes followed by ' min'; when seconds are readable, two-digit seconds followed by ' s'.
3 h 37 min
